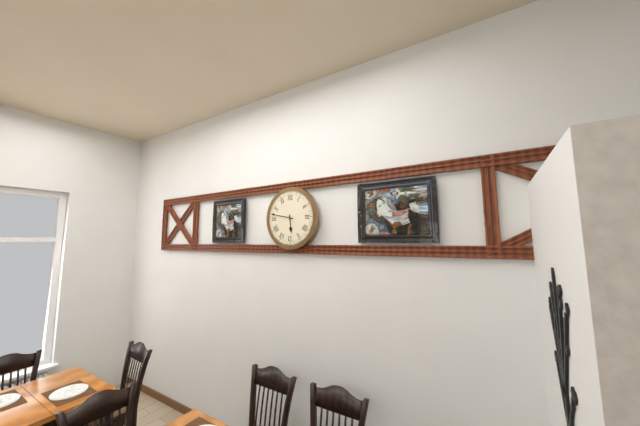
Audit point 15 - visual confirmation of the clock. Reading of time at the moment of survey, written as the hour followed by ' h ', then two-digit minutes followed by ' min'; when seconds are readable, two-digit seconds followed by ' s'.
5 h 47 min
